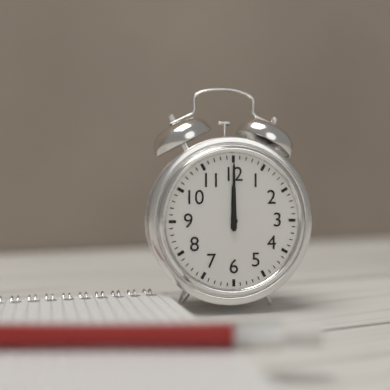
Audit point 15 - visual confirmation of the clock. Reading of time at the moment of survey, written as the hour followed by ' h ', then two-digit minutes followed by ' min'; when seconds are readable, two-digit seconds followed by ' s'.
12 h 00 min
